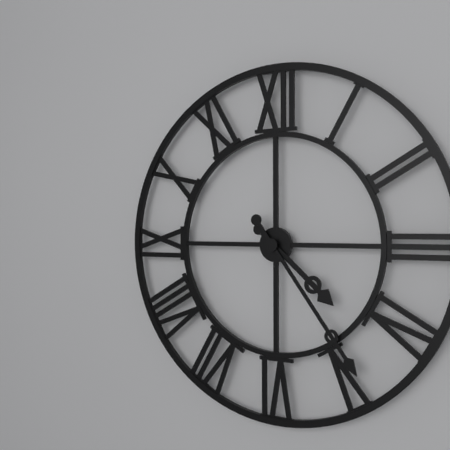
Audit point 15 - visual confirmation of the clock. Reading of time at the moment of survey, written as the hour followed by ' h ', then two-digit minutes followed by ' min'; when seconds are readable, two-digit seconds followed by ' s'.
4 h 24 min
